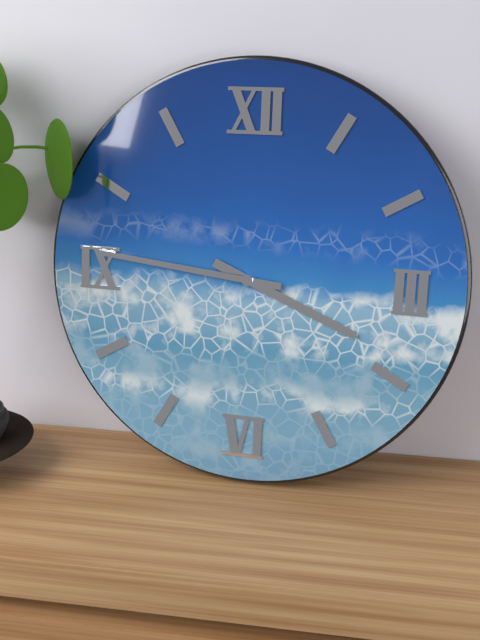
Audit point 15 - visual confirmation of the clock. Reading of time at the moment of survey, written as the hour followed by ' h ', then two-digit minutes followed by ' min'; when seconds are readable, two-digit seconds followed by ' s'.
3 h 46 min
